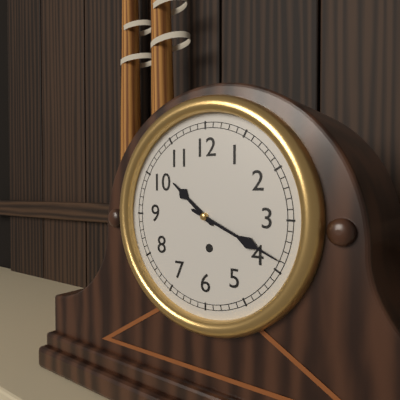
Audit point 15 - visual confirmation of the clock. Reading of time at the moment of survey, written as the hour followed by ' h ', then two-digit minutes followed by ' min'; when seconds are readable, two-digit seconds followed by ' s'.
10 h 19 min
